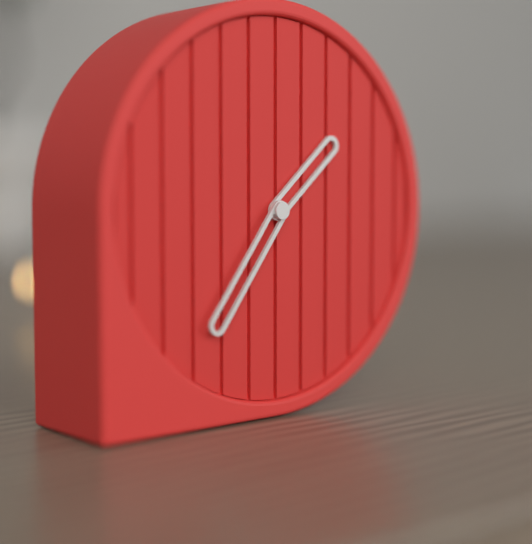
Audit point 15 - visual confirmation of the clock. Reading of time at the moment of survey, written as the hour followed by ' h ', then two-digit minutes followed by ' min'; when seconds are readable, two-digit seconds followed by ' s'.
1 h 36 min
